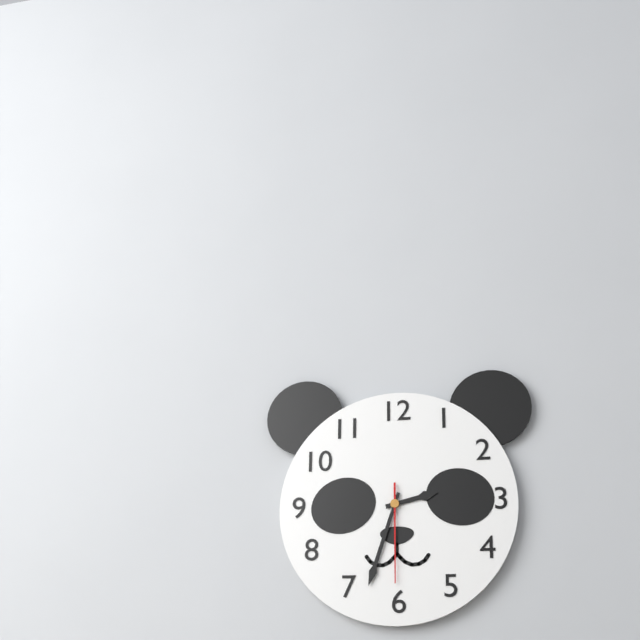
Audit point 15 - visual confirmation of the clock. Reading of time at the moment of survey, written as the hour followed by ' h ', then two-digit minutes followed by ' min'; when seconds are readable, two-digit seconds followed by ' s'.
2 h 33 min 30 s
